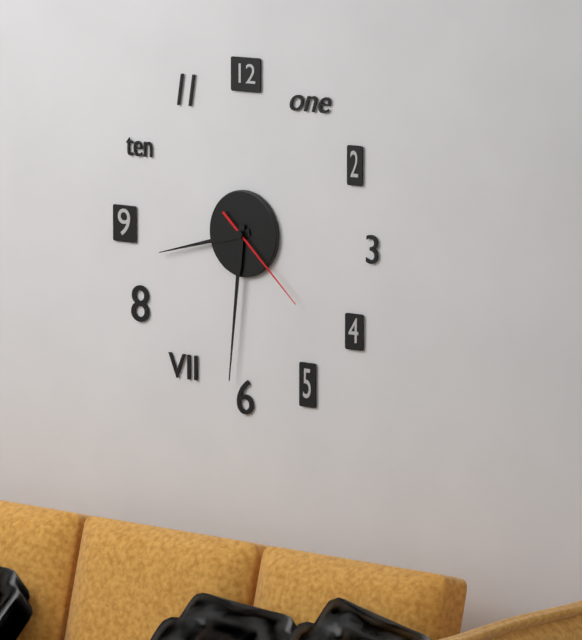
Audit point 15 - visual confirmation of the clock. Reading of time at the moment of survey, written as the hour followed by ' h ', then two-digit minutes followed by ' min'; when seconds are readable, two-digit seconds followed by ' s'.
8 h 31 min 22 s
